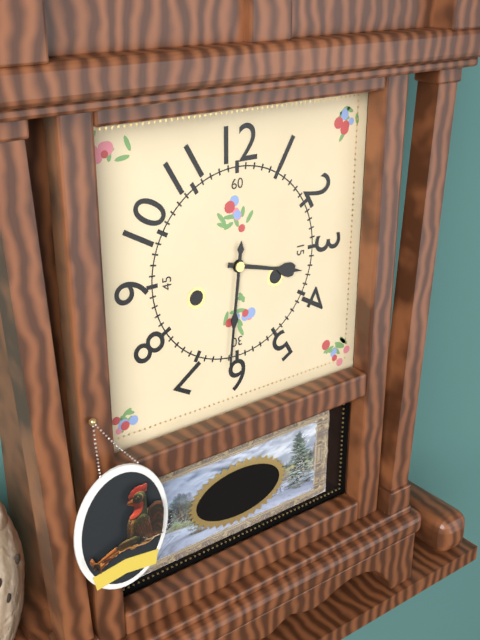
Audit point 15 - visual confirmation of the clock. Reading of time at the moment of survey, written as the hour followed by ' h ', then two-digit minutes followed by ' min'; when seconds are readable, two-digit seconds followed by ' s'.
3 h 31 min
